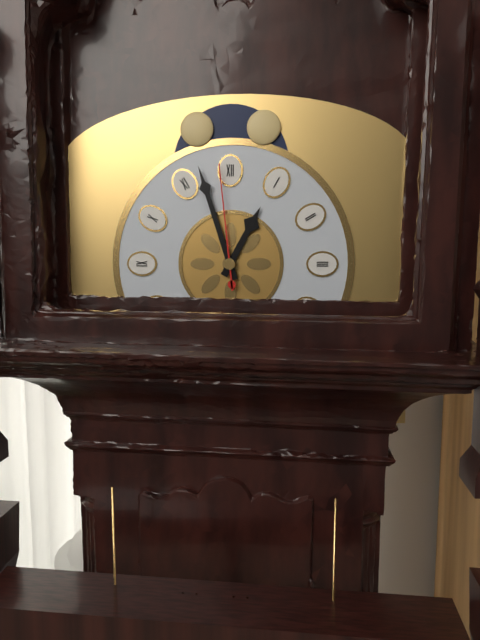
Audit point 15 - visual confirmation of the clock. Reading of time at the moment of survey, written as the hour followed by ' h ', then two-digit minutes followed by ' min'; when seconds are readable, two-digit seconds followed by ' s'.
12 h 57 min 59 s
